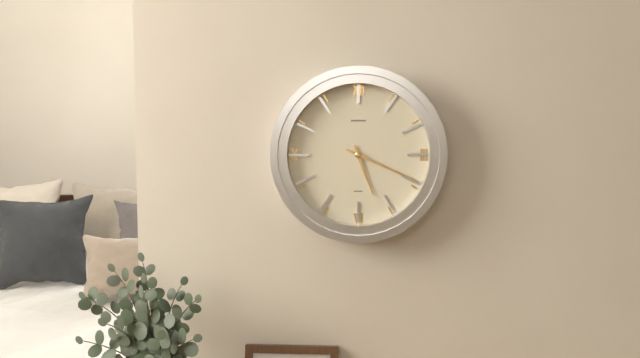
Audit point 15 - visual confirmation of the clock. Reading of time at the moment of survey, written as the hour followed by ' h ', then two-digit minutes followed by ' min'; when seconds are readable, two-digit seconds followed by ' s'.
5 h 19 min
